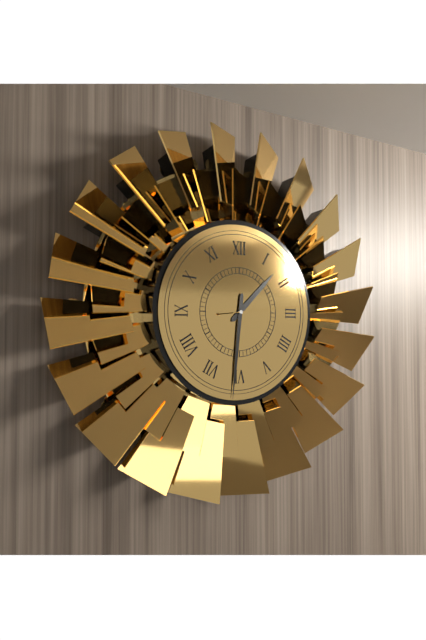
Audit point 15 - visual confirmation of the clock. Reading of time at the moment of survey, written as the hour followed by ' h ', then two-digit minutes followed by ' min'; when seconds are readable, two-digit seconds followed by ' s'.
1 h 31 min 14 s
